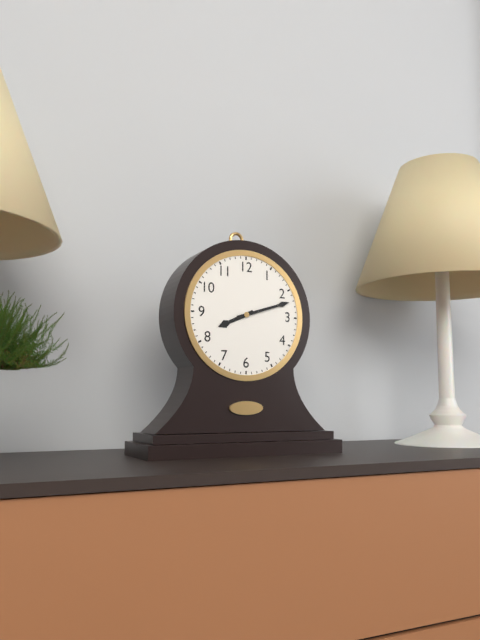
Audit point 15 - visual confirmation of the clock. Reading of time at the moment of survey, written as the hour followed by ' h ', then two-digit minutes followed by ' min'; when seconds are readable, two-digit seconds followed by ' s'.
8 h 12 min
